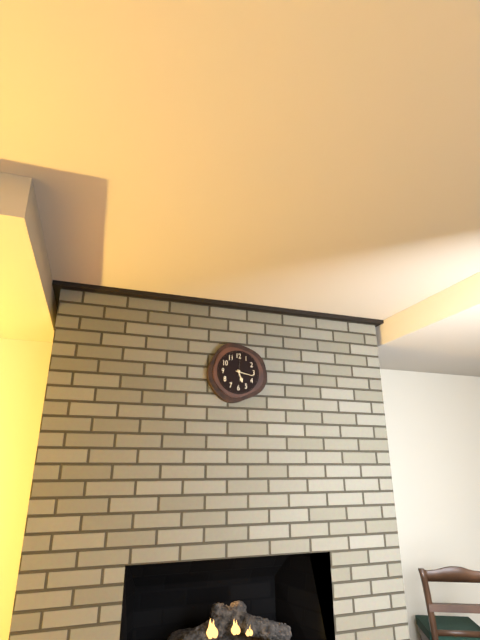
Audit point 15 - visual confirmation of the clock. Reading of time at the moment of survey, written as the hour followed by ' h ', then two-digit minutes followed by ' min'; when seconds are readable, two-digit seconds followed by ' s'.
5 h 17 min
